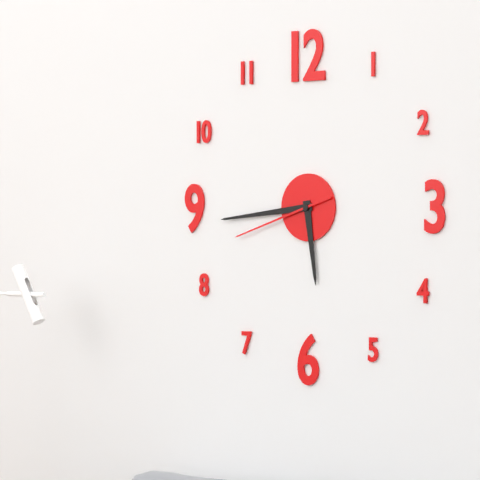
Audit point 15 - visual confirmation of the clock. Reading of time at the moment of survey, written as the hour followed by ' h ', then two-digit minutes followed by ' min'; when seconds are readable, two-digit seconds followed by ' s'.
5 h 44 min 42 s
